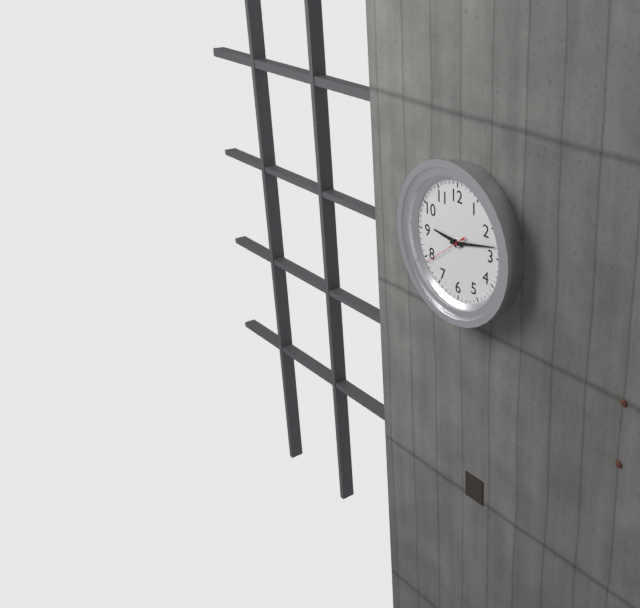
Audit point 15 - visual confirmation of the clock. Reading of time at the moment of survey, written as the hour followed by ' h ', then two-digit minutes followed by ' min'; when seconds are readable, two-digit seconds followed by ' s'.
9 h 13 min
